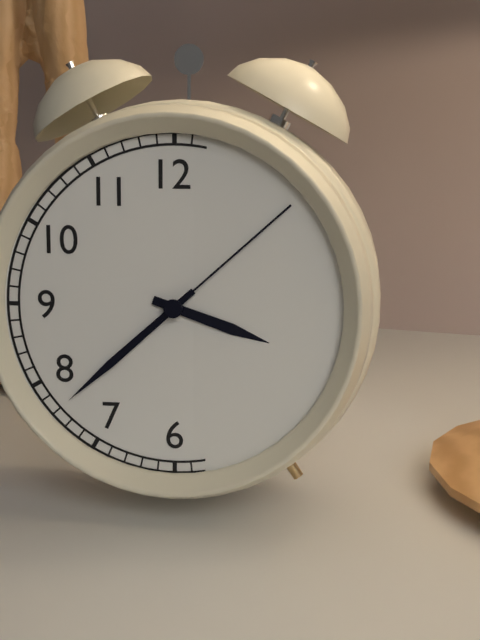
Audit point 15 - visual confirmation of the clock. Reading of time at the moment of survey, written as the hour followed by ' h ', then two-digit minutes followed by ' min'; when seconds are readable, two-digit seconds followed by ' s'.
3 h 38 min 08 s
